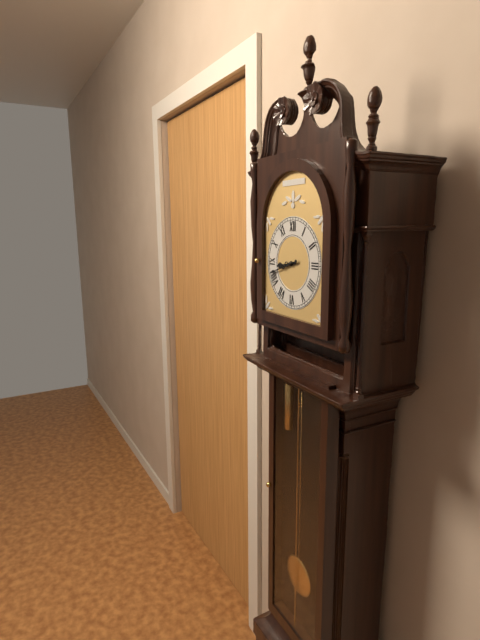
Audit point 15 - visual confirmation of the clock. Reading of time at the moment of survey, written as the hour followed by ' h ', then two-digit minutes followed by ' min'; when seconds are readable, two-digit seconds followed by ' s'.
8 h 42 min
